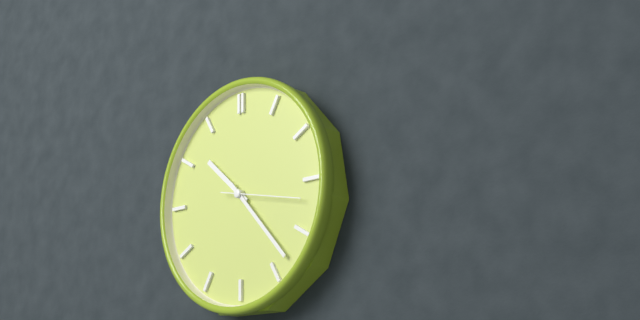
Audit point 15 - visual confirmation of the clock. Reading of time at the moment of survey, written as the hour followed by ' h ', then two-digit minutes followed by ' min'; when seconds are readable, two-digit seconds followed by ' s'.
10 h 23 min 17 s
